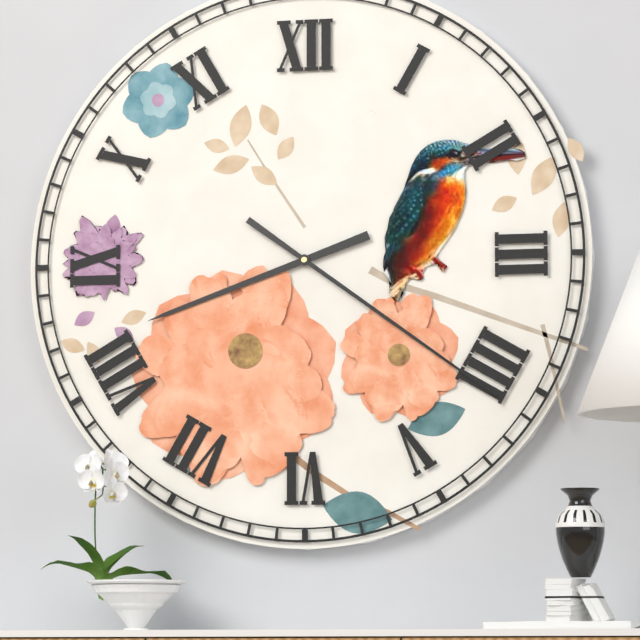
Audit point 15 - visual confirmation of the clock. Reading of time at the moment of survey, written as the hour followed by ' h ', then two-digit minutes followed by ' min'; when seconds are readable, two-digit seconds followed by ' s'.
8 h 21 min
